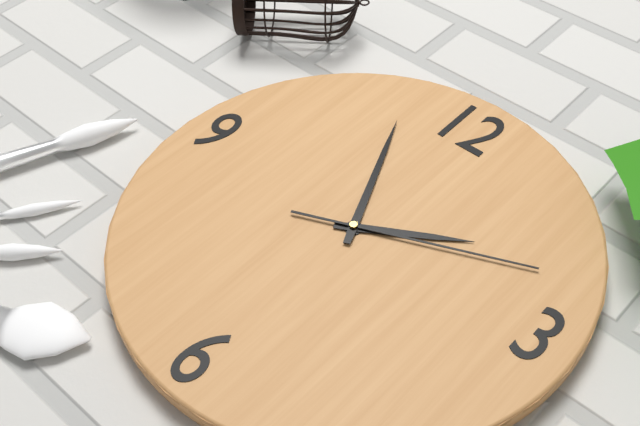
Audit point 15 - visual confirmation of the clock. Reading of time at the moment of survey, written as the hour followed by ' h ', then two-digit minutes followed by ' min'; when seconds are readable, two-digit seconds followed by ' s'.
1 h 56 min 11 s
